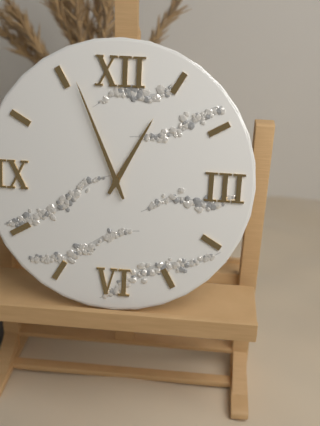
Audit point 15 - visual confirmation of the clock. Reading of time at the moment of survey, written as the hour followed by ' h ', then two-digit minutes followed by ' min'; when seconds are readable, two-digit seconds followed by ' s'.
12 h 56 min
